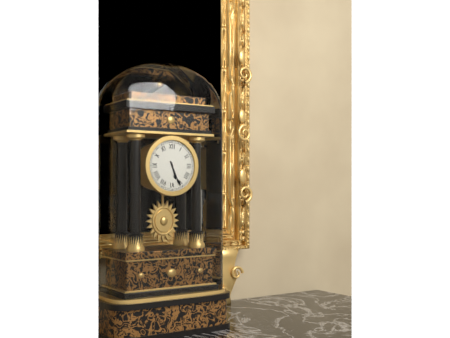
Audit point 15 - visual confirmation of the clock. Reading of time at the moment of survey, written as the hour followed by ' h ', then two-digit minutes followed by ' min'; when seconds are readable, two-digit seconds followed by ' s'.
5 h 26 min
